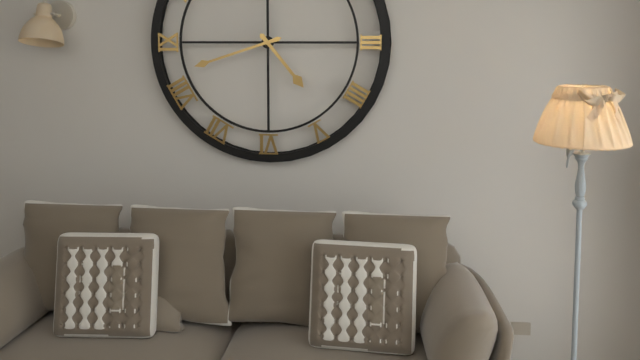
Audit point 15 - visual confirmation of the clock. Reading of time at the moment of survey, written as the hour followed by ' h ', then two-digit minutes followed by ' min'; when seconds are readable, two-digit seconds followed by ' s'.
4 h 42 min
